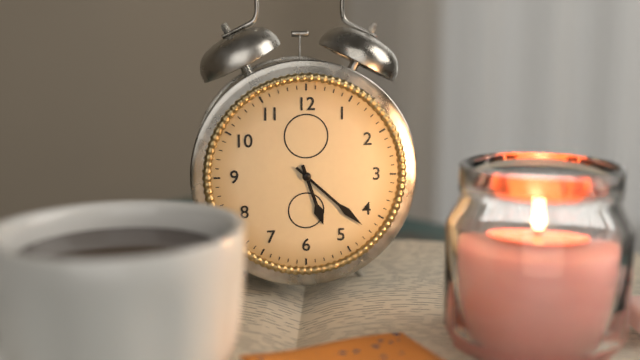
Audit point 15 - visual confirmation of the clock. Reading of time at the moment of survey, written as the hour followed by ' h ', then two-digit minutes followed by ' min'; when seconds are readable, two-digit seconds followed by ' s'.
5 h 22 min
